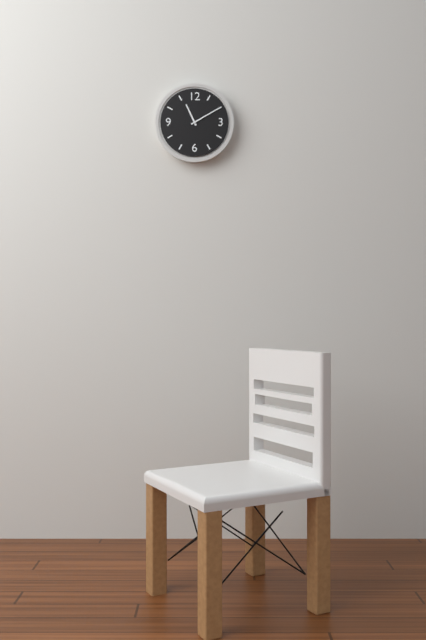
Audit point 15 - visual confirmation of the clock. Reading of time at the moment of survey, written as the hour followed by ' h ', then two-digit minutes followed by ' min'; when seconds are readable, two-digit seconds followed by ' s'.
11 h 10 min
